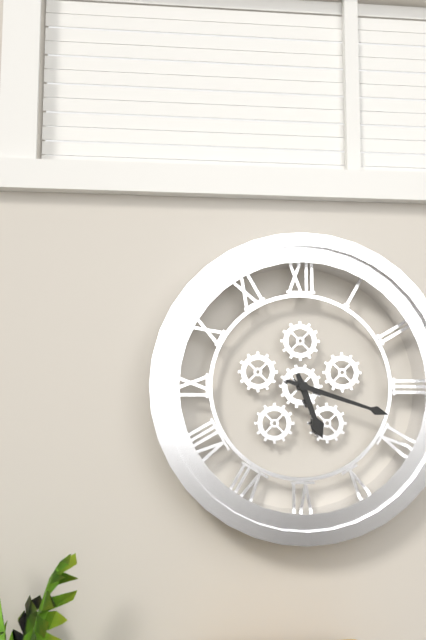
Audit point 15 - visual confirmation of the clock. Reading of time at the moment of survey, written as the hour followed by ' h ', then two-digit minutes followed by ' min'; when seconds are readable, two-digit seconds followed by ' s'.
5 h 18 min
